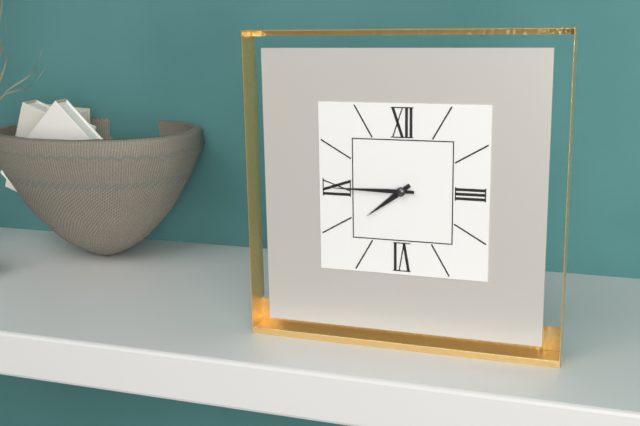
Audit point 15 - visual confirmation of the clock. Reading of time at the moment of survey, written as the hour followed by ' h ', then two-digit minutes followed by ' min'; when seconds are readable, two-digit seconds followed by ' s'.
7 h 45 min
